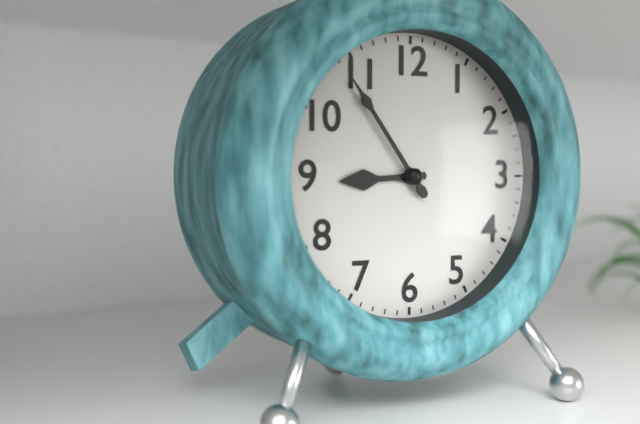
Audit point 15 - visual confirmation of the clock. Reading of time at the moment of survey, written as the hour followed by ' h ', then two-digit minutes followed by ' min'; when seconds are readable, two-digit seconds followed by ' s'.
8 h 54 min
